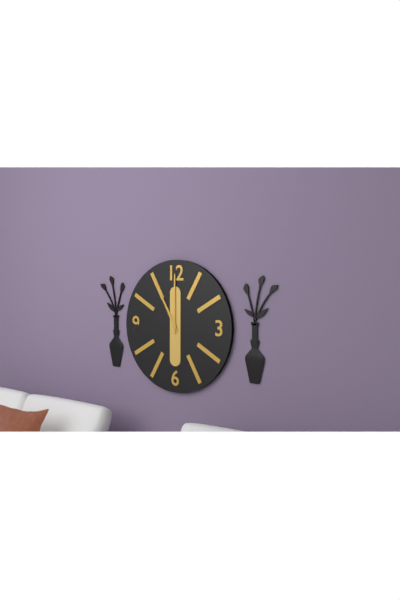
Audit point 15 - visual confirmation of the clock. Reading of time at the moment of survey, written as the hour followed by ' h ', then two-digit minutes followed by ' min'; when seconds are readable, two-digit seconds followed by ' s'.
11 h 00 min
